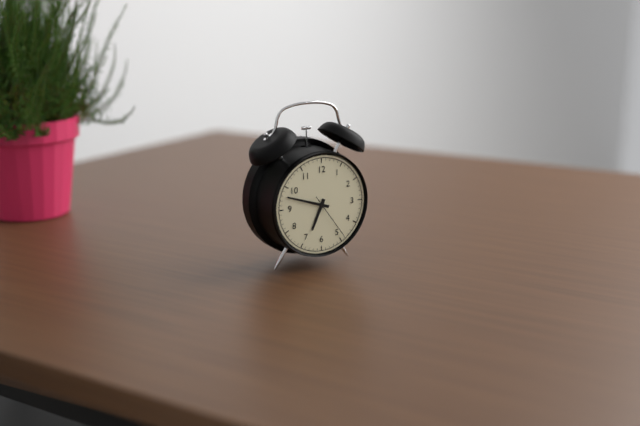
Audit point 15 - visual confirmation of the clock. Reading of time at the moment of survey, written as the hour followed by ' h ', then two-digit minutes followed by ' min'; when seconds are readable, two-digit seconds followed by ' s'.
6 h 48 min
